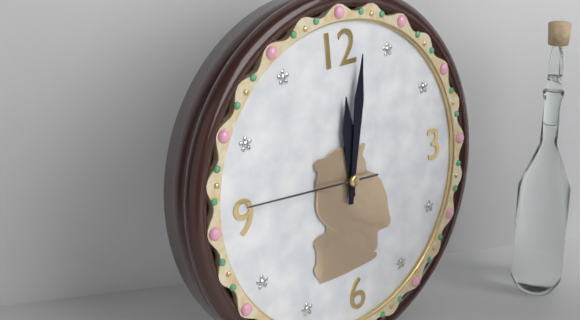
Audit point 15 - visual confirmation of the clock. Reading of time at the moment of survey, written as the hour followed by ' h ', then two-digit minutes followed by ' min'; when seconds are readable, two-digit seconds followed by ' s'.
12 h 02 min 46 s
